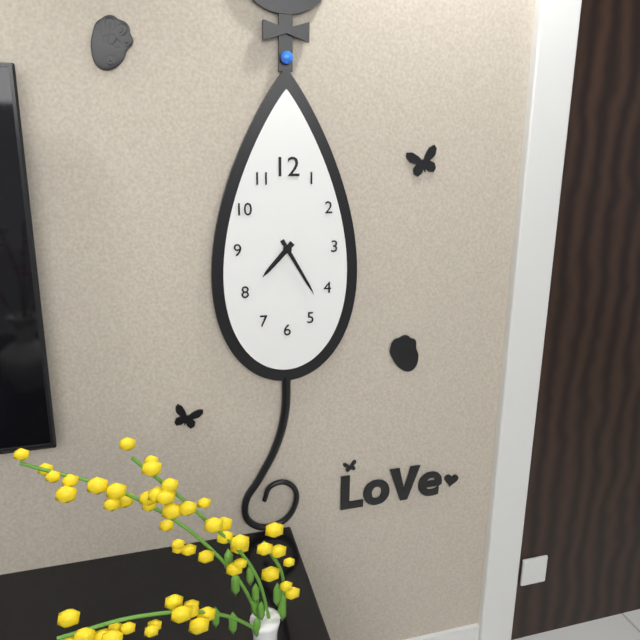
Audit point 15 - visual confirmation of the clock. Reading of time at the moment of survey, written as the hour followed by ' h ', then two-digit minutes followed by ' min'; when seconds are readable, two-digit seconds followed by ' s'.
7 h 25 min
